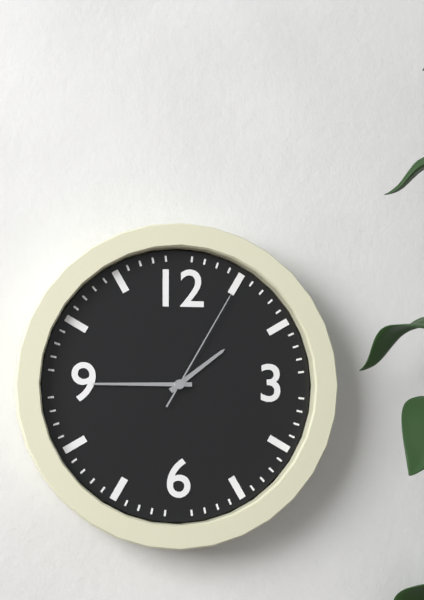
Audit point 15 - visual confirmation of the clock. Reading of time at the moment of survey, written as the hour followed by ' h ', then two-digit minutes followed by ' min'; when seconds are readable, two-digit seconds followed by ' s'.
1 h 45 min 05 s
